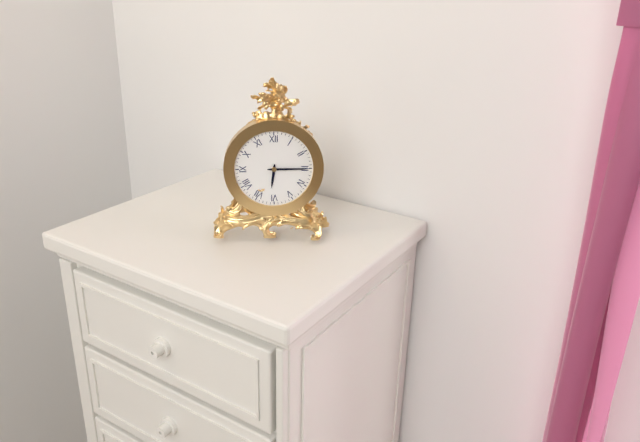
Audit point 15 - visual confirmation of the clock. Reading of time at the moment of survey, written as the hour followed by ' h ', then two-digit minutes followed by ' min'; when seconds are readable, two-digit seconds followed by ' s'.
6 h 15 min
